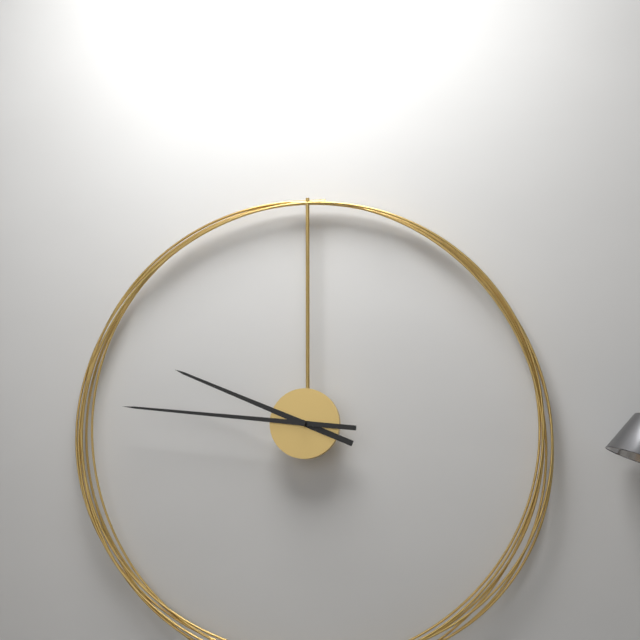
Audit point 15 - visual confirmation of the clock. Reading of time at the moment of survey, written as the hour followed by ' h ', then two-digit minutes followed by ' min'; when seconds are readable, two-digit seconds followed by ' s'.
9 h 46 min
